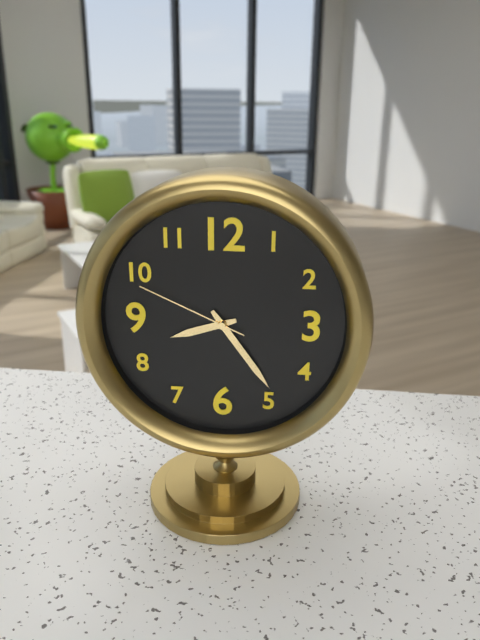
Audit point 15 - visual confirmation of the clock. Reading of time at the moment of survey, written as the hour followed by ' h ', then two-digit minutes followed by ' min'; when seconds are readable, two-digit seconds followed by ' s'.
8 h 24 min 49 s
